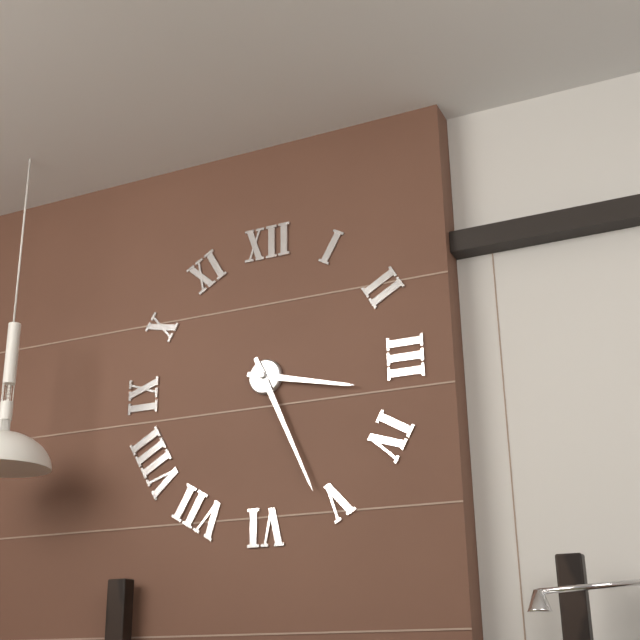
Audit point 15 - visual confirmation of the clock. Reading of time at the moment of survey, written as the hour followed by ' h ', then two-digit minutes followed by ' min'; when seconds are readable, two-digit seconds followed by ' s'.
3 h 26 min
